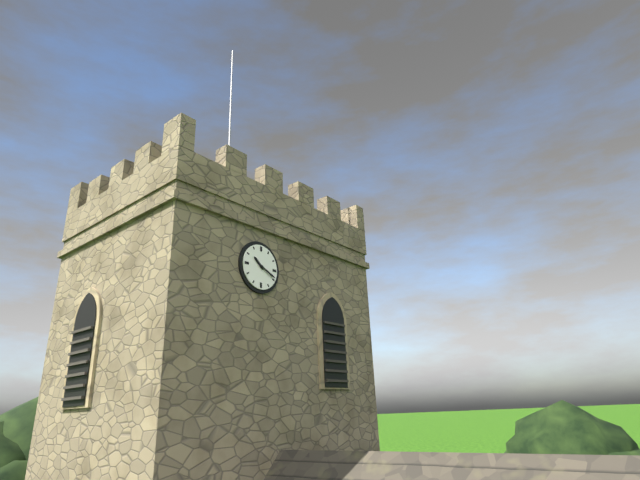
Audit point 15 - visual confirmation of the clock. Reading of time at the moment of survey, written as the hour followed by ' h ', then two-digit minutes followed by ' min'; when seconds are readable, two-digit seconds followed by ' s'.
10 h 19 min
